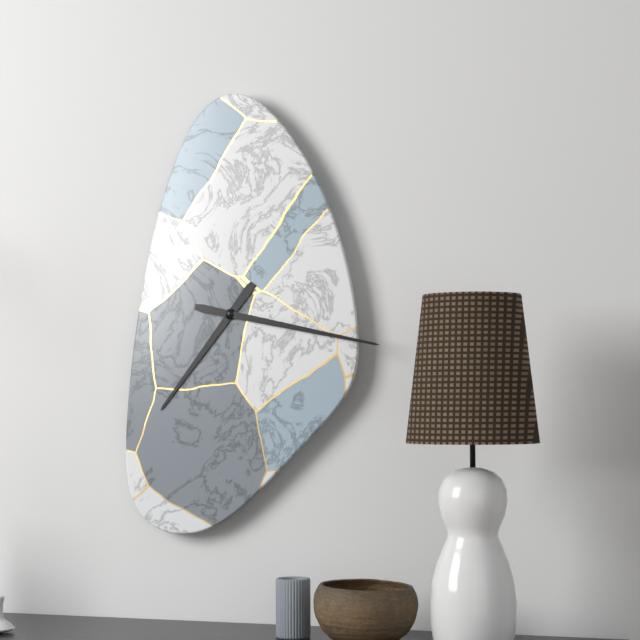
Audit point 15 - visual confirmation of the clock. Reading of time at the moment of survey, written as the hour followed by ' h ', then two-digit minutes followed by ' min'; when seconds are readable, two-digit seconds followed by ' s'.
7 h 17 min
